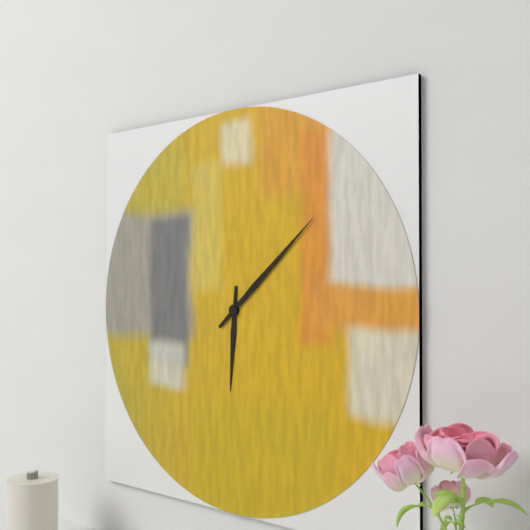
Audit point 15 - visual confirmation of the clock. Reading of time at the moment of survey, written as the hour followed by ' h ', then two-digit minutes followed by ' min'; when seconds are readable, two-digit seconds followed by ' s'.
6 h 08 min
